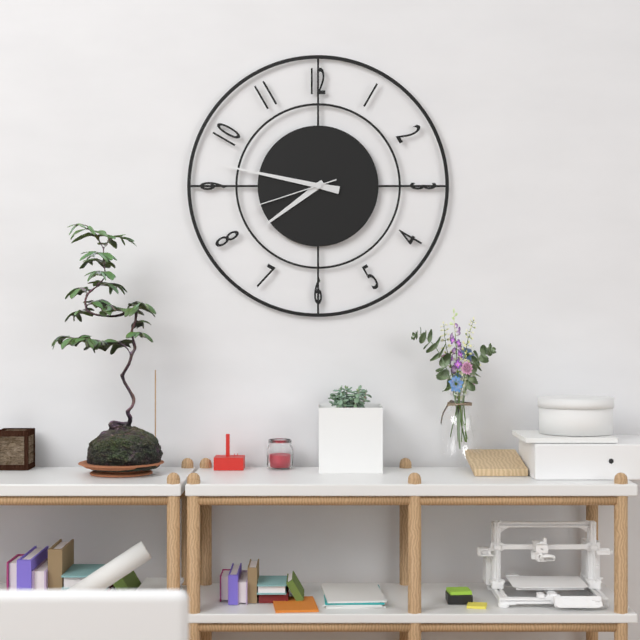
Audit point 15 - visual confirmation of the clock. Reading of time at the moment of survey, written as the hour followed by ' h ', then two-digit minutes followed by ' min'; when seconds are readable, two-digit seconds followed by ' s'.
7 h 47 min 42 s
